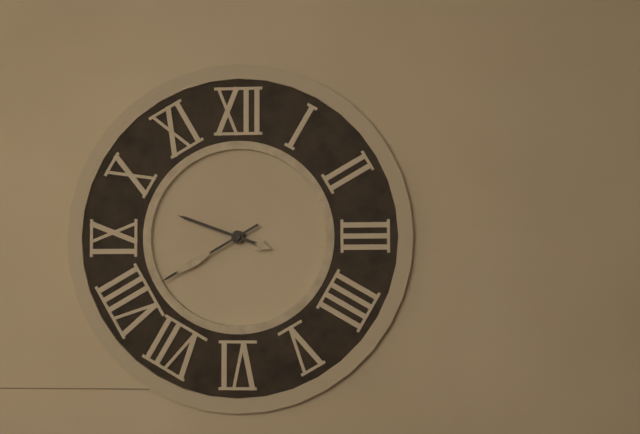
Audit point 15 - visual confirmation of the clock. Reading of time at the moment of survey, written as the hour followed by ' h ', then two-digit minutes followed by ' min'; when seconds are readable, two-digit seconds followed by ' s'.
9 h 40 min
